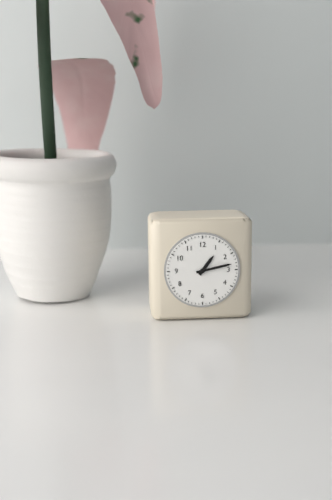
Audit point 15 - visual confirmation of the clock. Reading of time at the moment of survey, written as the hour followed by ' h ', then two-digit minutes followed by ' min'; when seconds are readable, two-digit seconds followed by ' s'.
1 h 13 min
